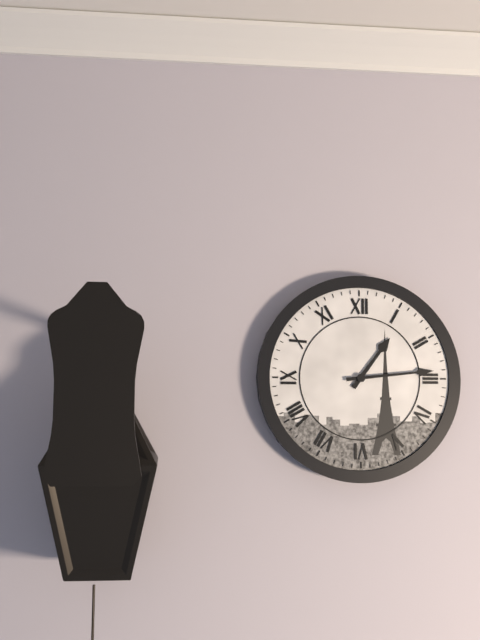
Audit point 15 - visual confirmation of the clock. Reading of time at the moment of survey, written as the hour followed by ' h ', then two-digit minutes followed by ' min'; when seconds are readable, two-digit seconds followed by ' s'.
1 h 14 min
